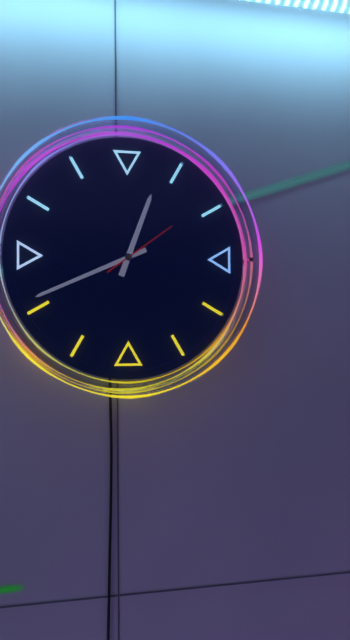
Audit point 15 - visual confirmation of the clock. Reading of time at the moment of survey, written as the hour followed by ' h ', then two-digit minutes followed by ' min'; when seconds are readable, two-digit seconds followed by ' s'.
12 h 41 min 09 s
